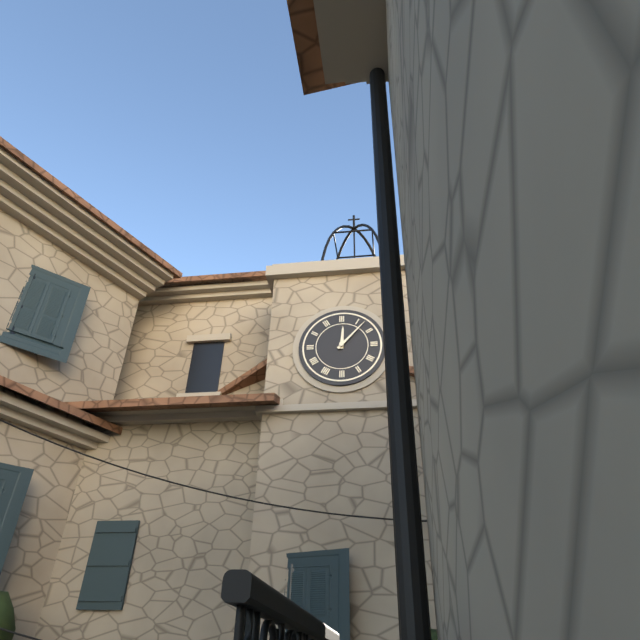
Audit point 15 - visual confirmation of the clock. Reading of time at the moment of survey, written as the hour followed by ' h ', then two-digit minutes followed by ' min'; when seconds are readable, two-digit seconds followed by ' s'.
12 h 07 min
